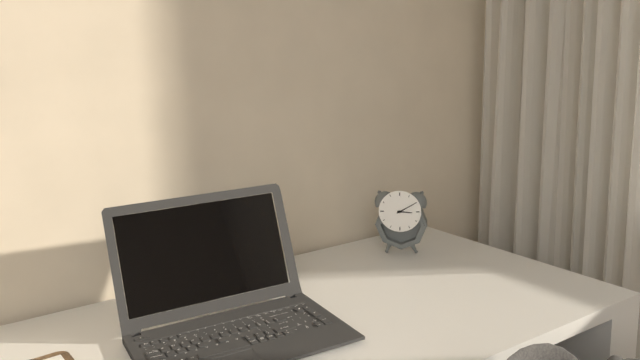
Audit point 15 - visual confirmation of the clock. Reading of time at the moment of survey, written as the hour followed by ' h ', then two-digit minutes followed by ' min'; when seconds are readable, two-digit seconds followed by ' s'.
3 h 10 min
